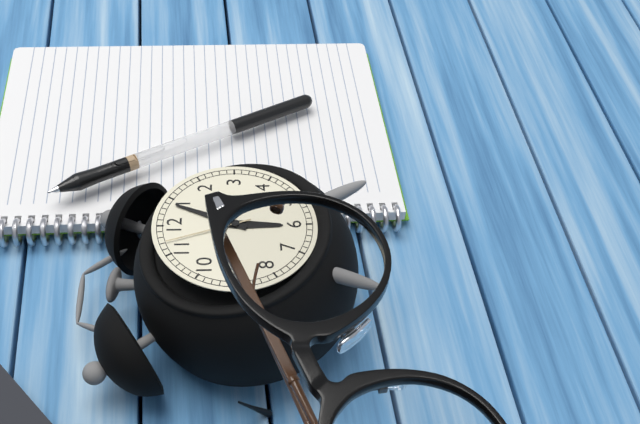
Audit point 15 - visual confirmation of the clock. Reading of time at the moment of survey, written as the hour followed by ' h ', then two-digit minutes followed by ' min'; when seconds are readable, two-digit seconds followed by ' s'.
6 h 04 min 57 s
